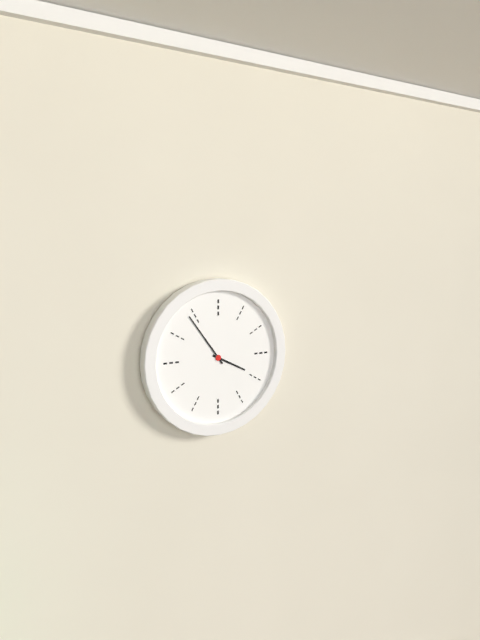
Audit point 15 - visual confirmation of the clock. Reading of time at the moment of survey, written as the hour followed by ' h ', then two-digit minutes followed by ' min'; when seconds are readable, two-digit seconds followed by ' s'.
3 h 54 min
